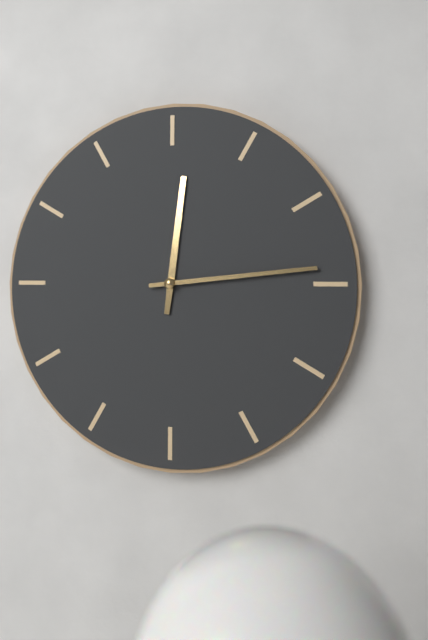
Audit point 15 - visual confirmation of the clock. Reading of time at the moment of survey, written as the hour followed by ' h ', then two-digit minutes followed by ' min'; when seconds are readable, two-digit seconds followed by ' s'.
12 h 14 min
